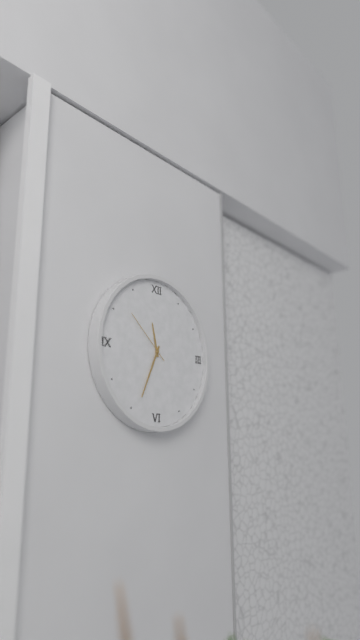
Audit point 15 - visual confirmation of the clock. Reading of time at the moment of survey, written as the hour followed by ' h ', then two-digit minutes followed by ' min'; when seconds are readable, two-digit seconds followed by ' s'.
11 h 34 min 52 s
